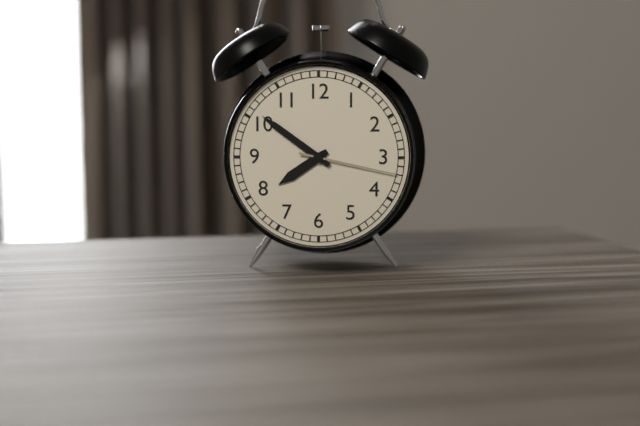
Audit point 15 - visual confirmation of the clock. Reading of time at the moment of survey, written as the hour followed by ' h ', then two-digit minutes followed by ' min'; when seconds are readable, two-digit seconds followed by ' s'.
7 h 51 min 17 s
